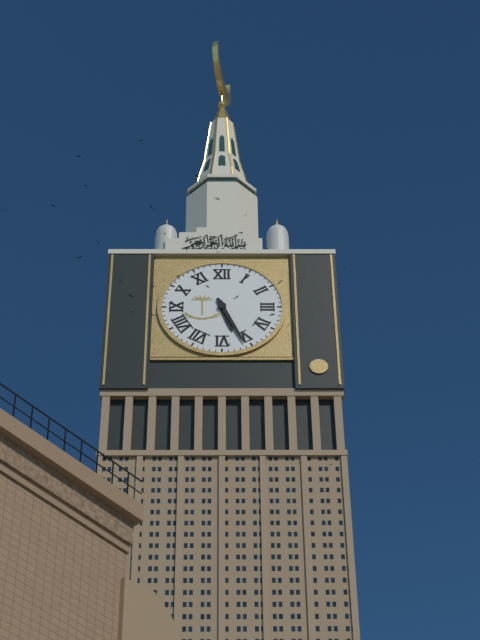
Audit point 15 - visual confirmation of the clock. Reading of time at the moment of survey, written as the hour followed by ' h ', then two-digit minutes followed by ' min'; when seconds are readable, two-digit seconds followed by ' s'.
5 h 26 min
